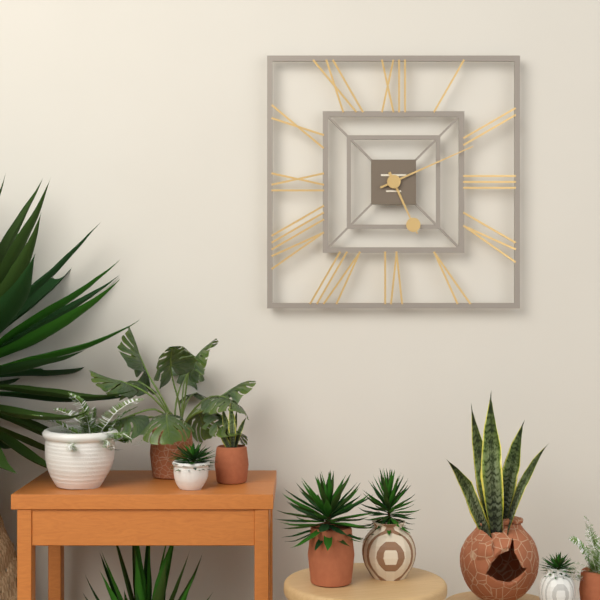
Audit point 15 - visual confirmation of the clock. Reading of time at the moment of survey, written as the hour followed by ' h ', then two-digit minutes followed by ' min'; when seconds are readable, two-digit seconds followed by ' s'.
5 h 11 min
